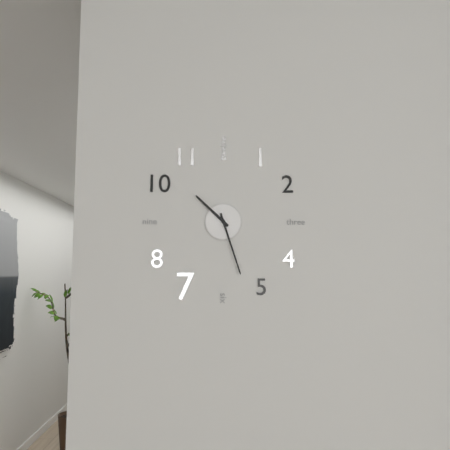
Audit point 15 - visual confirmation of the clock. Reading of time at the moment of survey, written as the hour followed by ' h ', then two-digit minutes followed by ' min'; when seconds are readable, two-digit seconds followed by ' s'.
10 h 27 min
